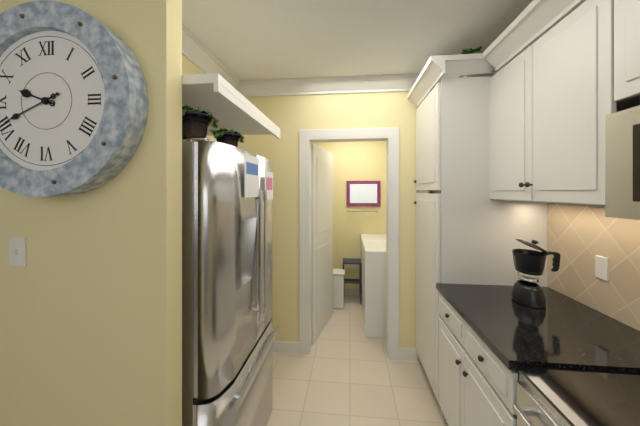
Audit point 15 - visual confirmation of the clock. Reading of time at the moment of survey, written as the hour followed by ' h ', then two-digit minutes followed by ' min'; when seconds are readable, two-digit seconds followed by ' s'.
9 h 41 min
